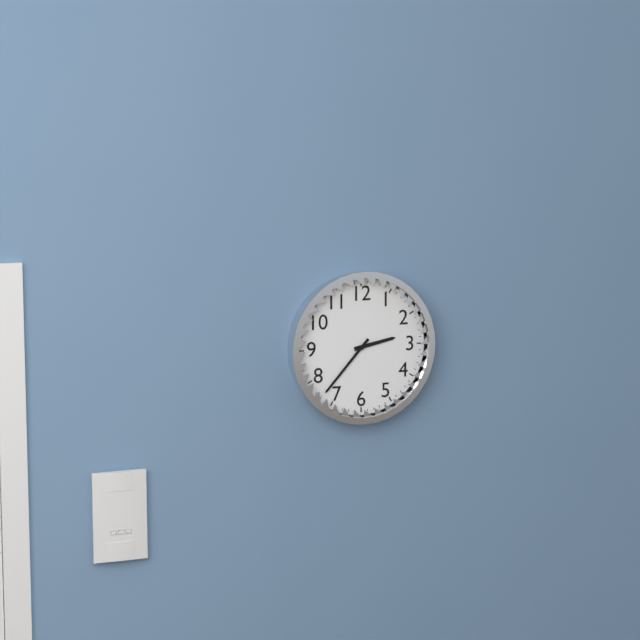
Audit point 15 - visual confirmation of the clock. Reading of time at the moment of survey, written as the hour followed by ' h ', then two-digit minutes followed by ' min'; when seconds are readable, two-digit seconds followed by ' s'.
2 h 37 min
